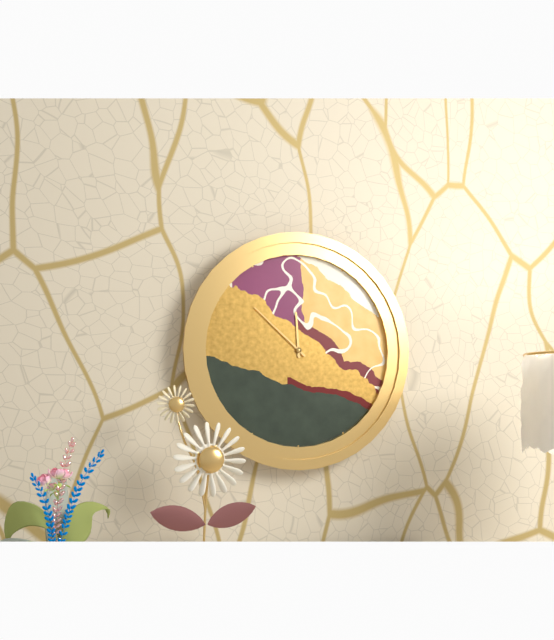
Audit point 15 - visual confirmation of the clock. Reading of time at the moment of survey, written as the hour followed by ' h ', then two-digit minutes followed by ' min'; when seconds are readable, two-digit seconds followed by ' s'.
11 h 52 min
